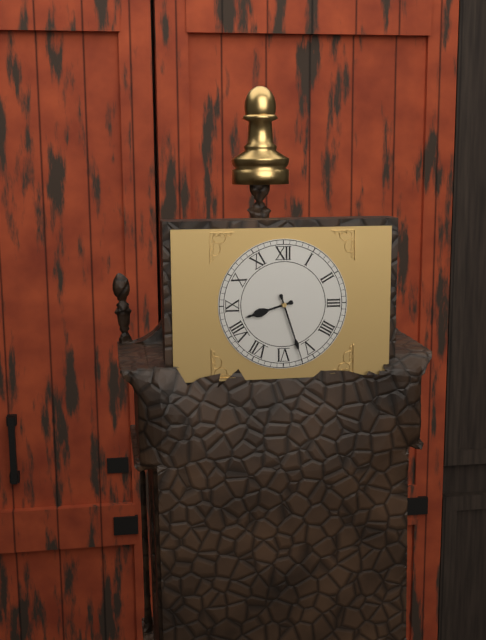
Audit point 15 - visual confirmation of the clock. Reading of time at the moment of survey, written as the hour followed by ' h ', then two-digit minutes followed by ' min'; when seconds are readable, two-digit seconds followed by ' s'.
8 h 27 min
